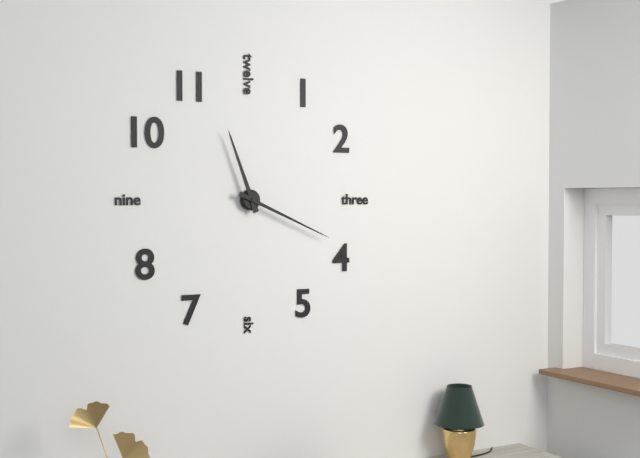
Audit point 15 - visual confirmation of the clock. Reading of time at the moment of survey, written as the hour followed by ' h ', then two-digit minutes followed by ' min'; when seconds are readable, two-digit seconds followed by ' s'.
11 h 19 min
